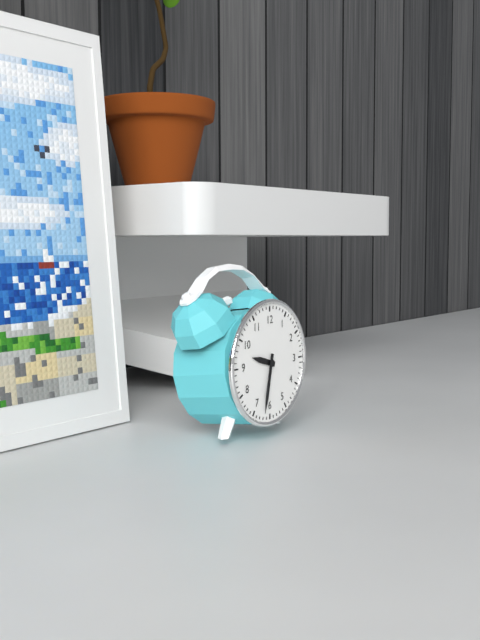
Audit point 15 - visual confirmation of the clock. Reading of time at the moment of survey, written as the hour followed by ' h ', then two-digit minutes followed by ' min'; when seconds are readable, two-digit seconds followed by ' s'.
9 h 32 min
